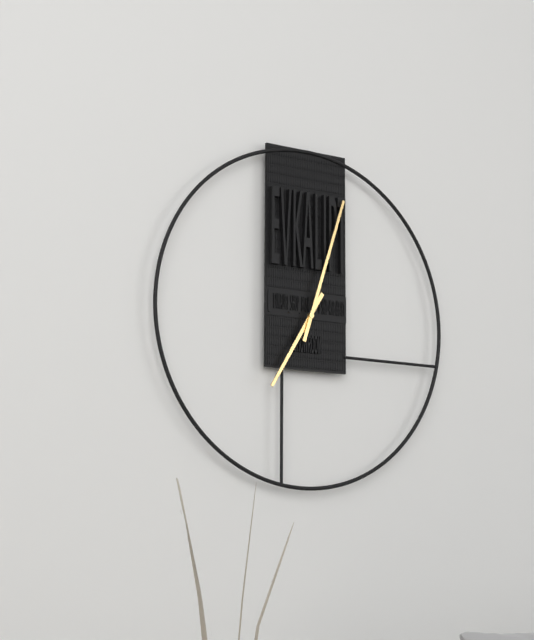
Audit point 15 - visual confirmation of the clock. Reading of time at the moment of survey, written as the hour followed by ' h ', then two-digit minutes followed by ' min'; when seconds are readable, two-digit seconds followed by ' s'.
7 h 03 min
